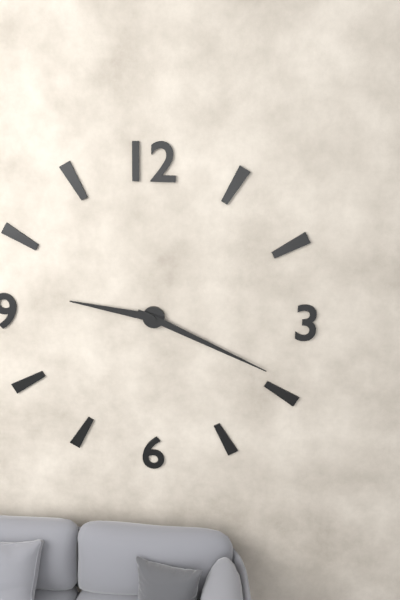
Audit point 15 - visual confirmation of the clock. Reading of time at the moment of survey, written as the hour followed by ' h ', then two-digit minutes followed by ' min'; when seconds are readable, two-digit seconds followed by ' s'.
9 h 19 min
